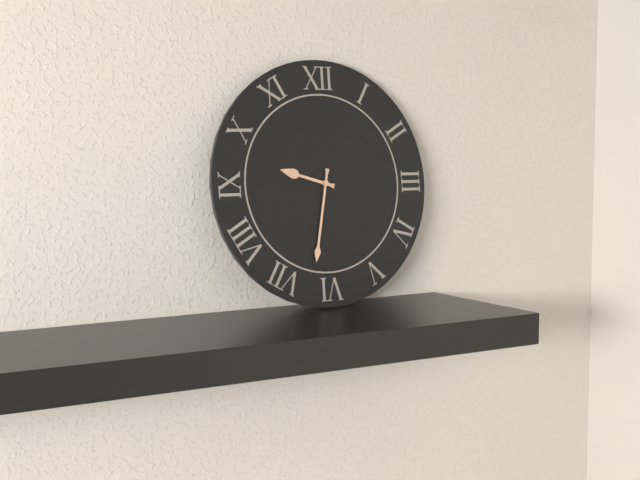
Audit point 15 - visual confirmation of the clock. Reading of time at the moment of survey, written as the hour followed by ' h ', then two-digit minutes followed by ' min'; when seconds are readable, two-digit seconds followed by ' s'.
9 h 32 min
